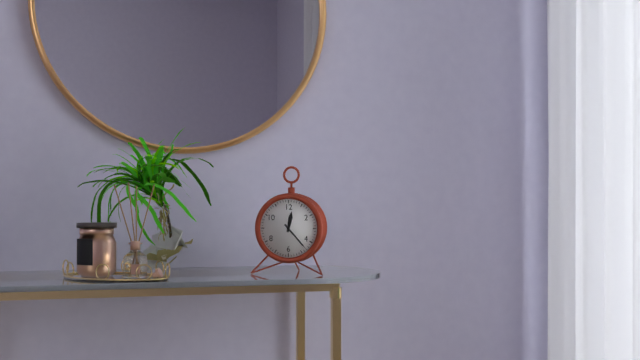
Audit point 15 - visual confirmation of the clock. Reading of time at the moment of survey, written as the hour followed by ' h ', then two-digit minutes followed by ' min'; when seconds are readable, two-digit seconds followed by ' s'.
12 h 23 min
